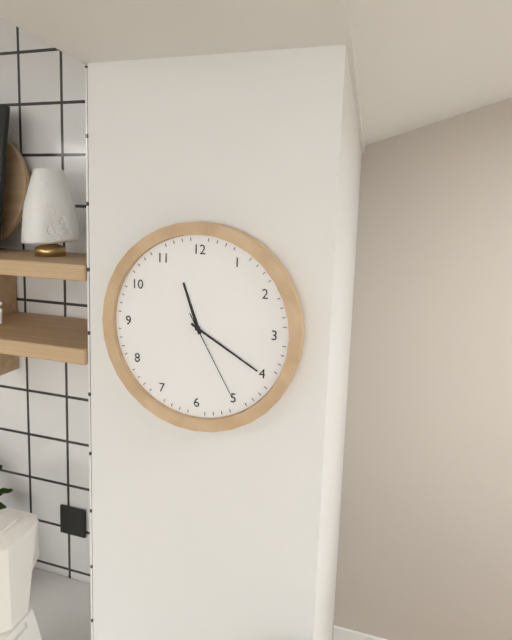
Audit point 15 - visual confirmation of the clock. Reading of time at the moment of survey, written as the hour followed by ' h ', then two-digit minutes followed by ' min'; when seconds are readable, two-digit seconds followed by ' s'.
11 h 20 min 25 s
